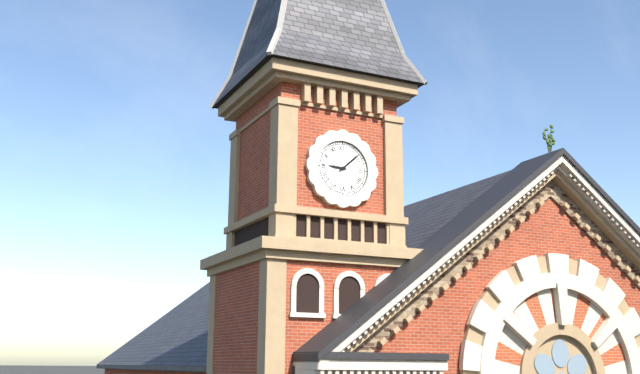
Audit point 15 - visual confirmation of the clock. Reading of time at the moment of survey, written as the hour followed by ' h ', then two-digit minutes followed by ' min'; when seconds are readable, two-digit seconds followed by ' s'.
9 h 08 min
